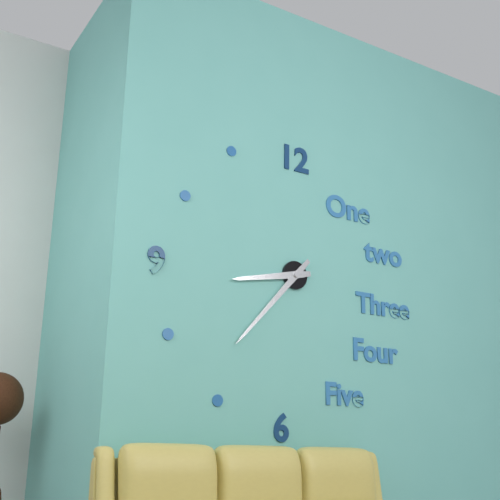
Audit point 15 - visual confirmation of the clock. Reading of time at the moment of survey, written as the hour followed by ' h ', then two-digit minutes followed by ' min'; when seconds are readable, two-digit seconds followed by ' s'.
8 h 37 min
